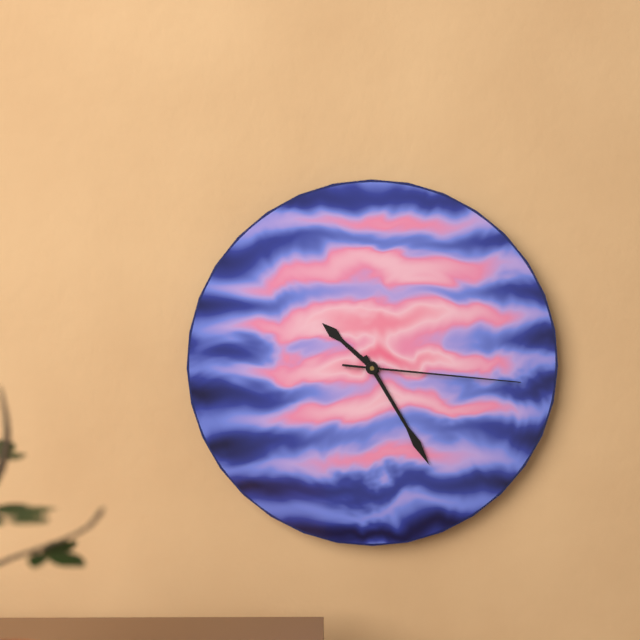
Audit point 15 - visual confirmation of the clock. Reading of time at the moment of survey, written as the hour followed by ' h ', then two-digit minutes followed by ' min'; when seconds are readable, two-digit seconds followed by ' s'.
10 h 25 min 16 s
